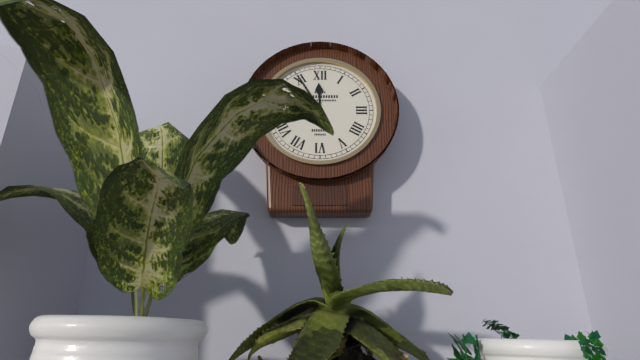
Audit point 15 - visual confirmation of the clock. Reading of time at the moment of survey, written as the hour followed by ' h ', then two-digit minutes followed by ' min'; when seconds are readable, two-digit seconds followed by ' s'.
11 h 55 min
